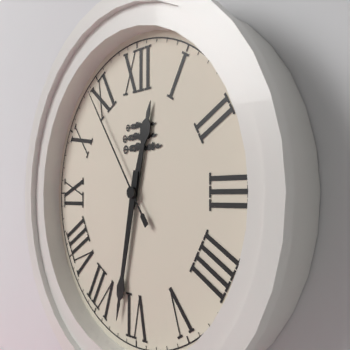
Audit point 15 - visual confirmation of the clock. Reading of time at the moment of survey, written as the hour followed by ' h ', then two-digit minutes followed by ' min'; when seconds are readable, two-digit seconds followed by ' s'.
12 h 32 min 54 s
